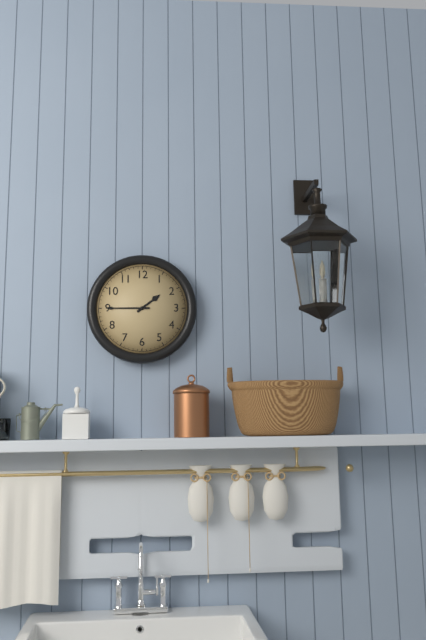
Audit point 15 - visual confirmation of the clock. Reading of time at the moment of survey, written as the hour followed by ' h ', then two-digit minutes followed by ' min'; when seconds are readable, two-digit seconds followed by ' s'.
1 h 45 min
